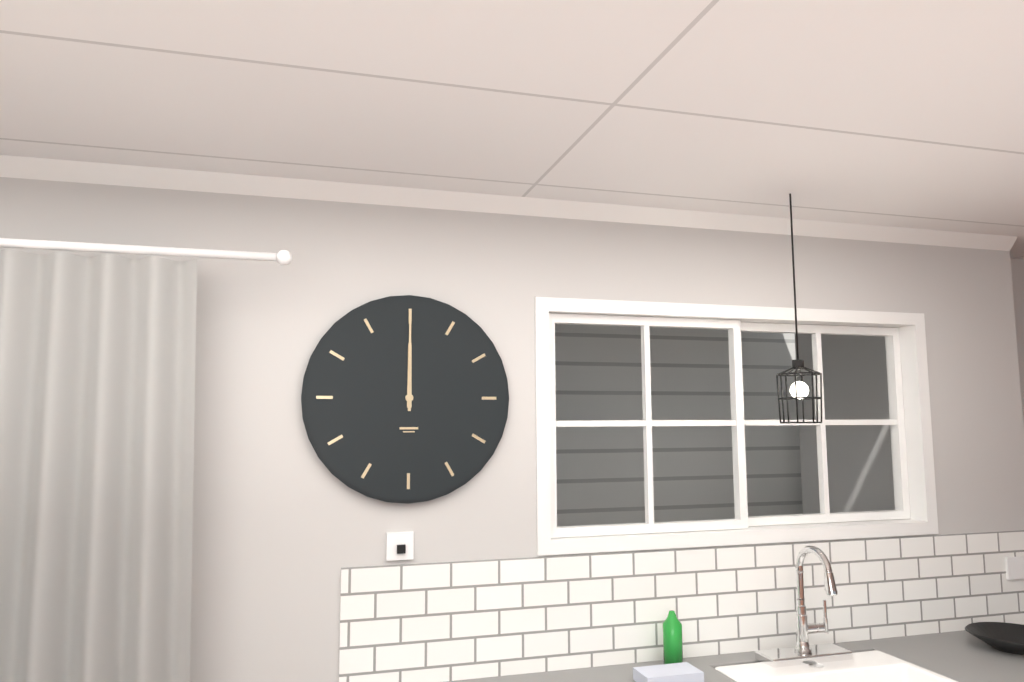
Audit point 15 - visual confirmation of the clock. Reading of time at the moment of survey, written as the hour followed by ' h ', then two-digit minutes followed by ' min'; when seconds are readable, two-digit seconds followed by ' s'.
12 h 00 min
